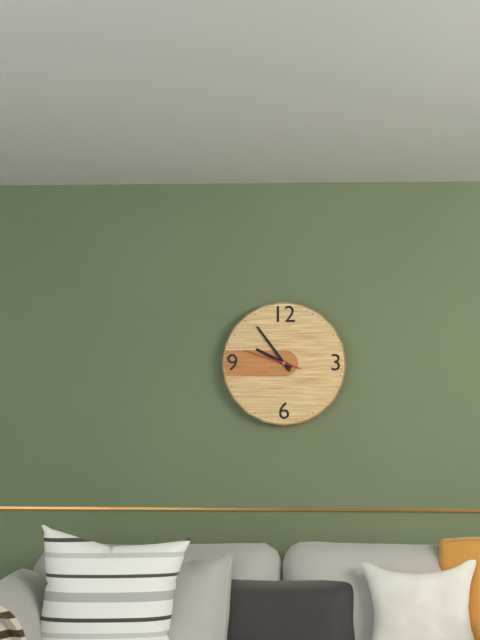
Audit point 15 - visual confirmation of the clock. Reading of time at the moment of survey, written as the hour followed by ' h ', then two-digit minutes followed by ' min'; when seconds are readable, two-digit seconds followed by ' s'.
9 h 54 min 48 s
